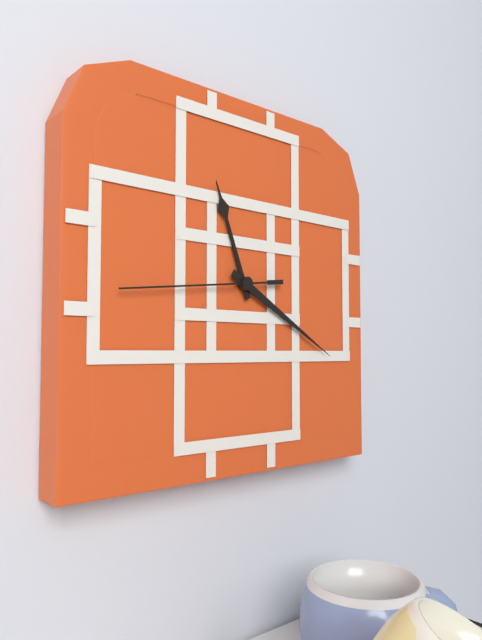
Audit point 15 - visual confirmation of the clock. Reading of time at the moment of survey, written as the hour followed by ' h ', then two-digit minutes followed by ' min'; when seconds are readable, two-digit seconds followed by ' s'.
11 h 20 min 44 s
